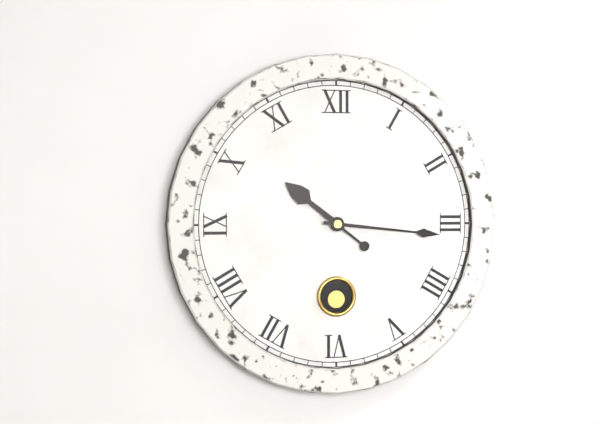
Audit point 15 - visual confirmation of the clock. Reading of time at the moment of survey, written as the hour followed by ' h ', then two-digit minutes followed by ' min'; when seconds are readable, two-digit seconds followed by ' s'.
10 h 16 min
